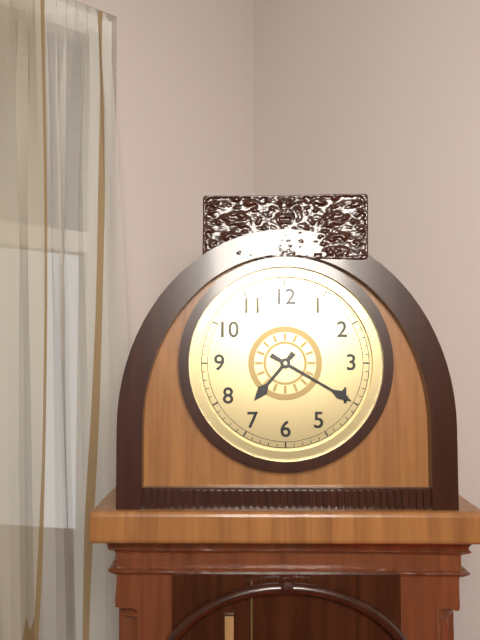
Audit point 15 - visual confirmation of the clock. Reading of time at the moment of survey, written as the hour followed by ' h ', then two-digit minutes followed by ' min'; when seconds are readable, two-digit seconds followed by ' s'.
7 h 20 min
